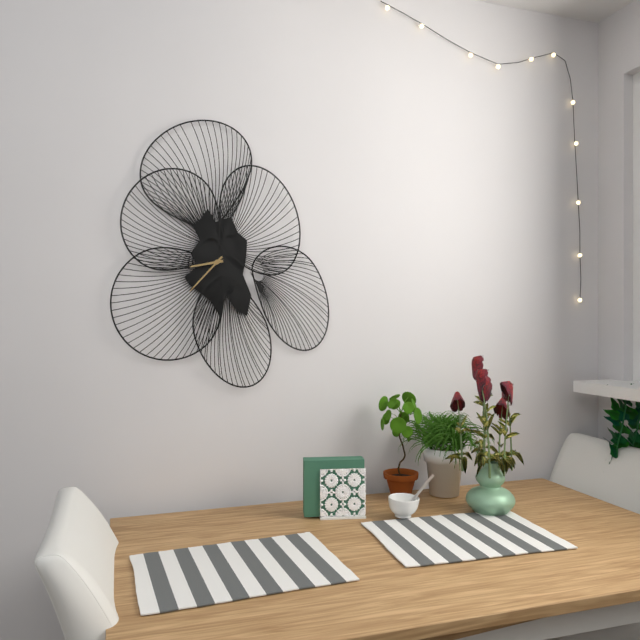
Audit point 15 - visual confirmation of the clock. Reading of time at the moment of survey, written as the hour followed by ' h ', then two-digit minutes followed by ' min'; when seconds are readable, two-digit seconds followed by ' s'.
8 h 37 min
